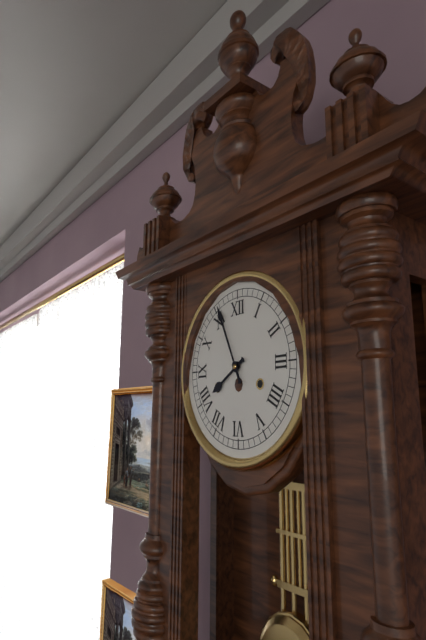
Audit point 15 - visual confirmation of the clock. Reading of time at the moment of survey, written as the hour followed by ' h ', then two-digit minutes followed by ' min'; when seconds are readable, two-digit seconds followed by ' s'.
7 h 56 min
